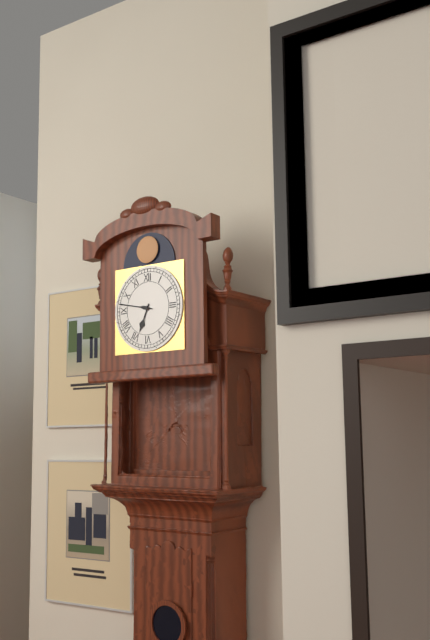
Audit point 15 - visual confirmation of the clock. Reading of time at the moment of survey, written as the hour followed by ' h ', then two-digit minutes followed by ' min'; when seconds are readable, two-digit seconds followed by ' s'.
6 h 47 min
